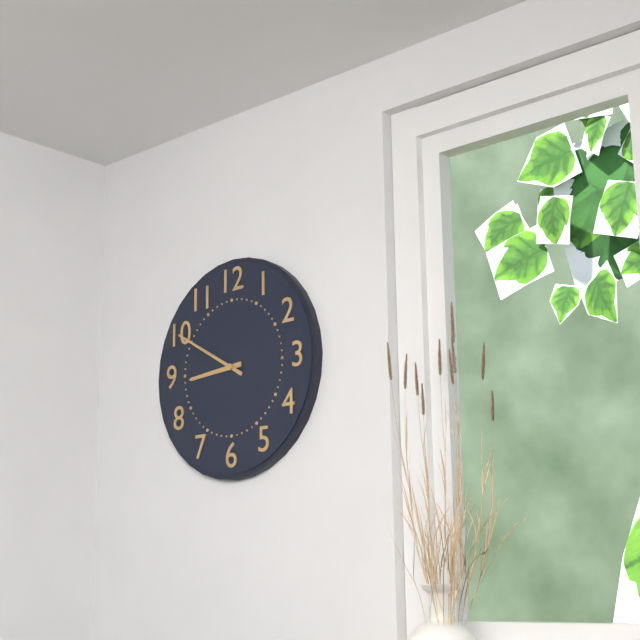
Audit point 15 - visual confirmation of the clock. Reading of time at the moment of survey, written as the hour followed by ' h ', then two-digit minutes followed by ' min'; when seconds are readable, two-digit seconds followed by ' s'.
8 h 50 min
